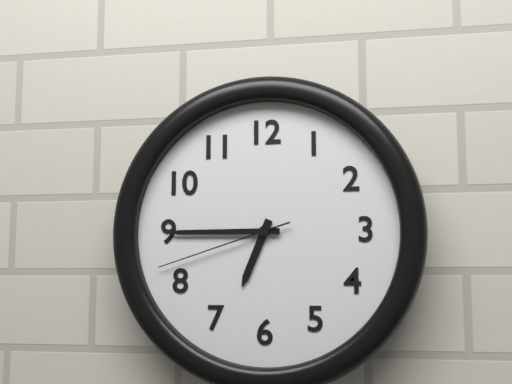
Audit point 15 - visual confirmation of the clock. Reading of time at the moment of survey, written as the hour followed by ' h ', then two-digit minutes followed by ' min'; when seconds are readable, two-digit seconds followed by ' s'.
6 h 45 min 42 s
